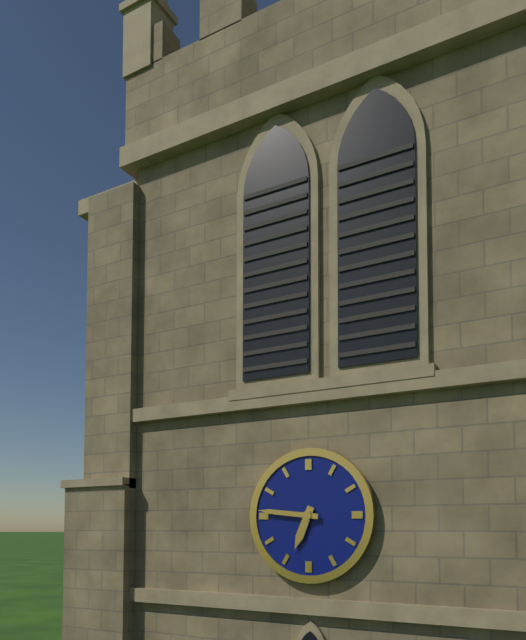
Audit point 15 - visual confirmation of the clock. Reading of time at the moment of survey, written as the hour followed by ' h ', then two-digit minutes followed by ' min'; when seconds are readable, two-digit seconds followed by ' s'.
6 h 46 min
